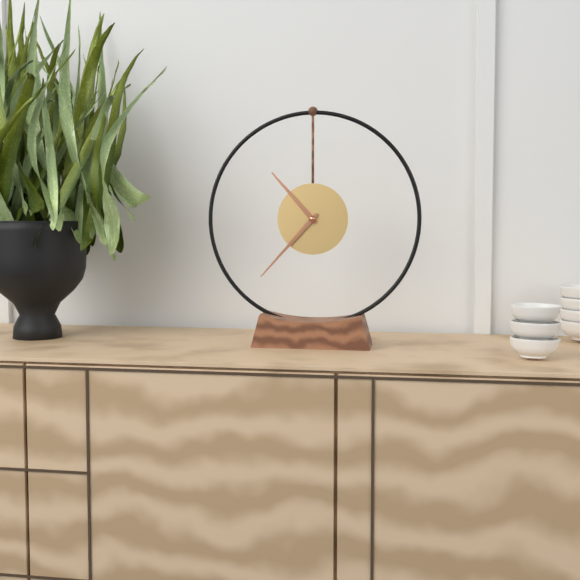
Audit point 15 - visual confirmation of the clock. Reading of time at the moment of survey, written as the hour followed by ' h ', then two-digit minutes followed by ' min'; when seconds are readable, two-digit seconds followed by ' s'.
10 h 37 min
